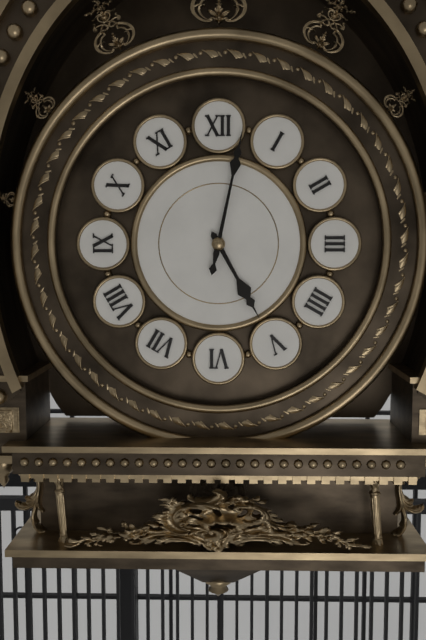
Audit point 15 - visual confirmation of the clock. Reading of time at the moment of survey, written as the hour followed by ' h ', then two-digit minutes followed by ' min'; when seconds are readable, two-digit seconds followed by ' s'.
5 h 02 min
